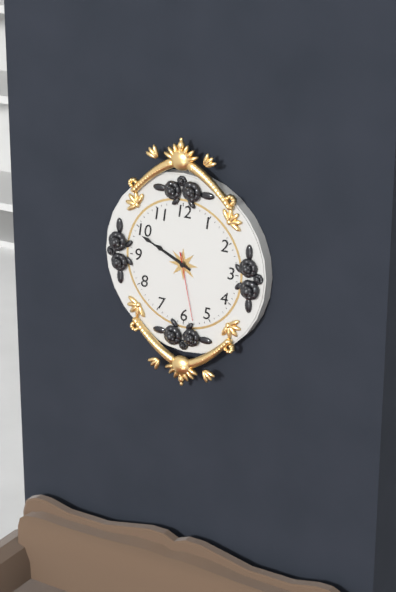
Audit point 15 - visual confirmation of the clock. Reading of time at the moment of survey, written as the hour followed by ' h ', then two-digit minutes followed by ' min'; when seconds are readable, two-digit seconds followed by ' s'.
9 h 49 min 28 s
